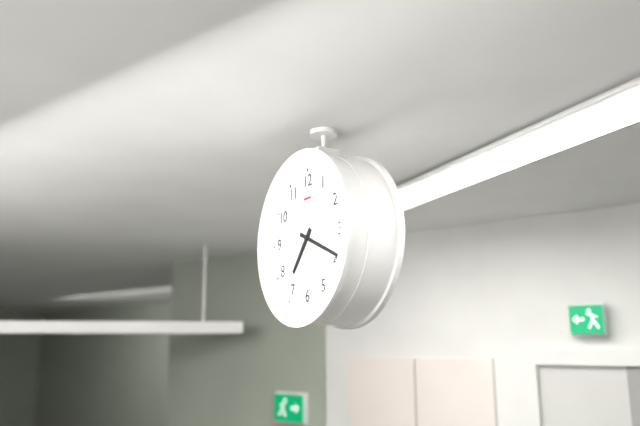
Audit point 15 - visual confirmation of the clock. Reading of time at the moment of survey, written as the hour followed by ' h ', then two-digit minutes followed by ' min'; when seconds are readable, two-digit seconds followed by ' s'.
7 h 19 min
